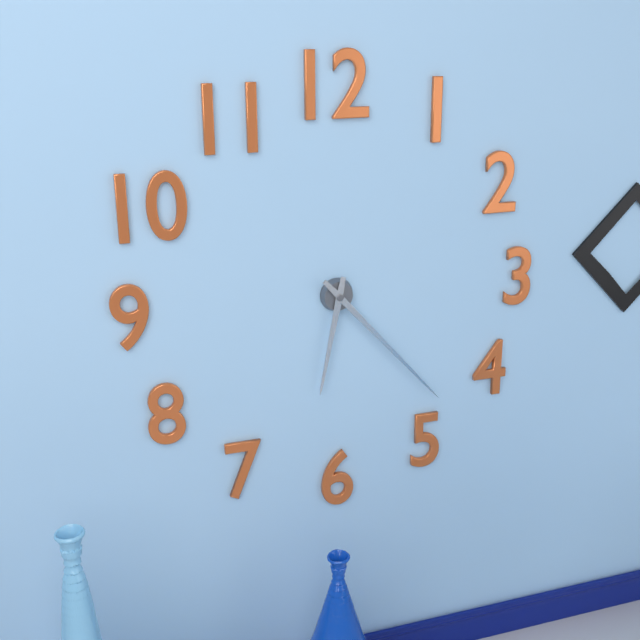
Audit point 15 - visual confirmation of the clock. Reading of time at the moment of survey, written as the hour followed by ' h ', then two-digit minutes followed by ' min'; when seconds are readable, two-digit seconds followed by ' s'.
6 h 23 min
